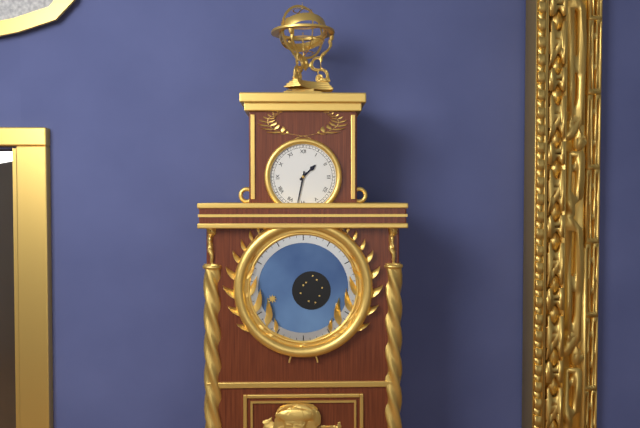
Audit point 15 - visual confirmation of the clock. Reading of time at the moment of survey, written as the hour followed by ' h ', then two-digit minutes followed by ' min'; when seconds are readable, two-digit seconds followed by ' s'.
1 h 32 min
